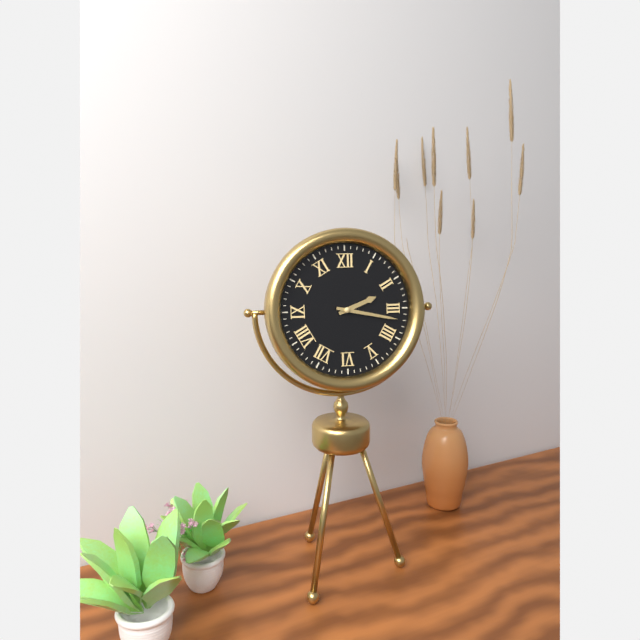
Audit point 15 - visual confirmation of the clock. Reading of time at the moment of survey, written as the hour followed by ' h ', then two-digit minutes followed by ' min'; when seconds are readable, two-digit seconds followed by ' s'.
2 h 17 min
